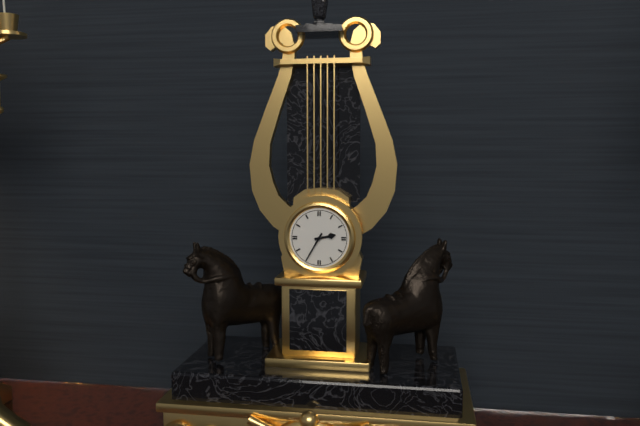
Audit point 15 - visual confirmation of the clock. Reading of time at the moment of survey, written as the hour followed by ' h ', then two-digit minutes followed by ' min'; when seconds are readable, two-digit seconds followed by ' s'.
2 h 35 min
